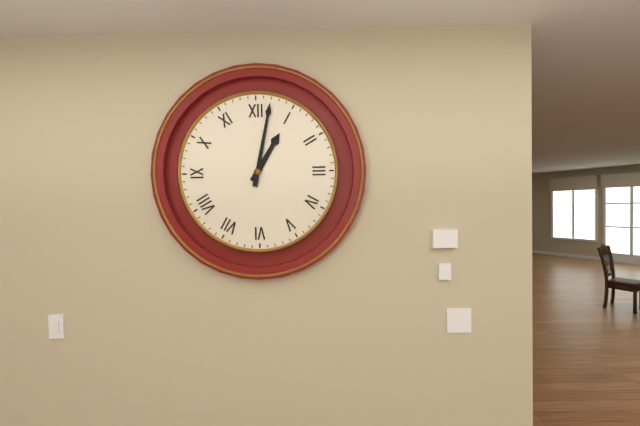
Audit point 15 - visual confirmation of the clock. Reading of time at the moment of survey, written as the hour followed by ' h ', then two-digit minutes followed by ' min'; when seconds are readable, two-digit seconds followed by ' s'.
1 h 02 min
